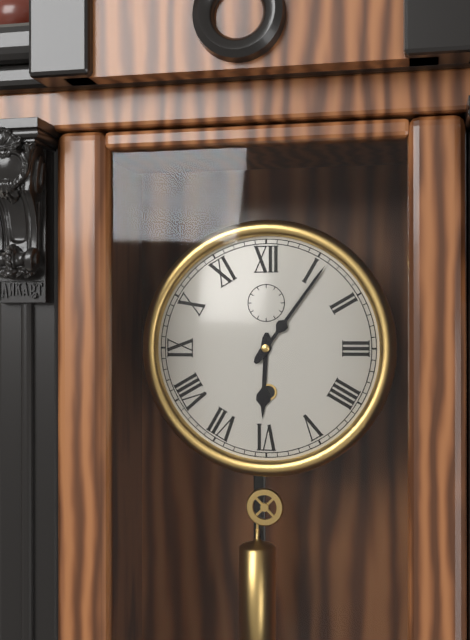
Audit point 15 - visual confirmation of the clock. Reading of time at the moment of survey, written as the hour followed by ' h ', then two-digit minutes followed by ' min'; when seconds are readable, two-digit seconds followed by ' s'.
6 h 06 min
